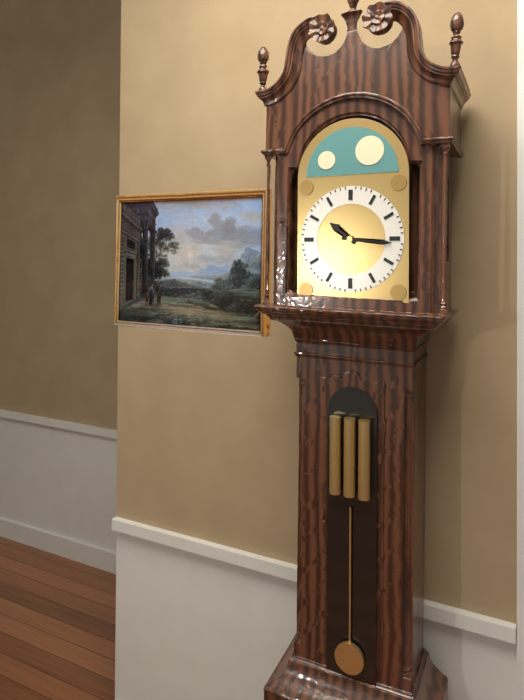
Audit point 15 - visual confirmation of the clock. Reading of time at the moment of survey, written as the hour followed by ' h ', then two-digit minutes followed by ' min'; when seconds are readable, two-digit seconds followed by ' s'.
10 h 16 min
